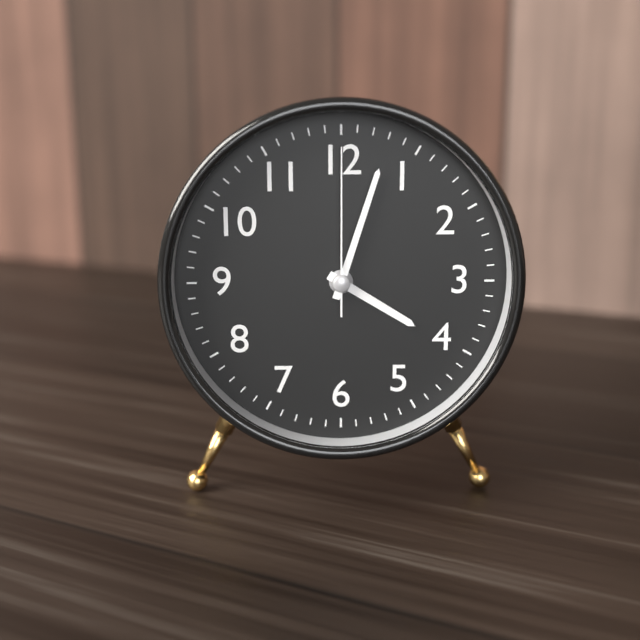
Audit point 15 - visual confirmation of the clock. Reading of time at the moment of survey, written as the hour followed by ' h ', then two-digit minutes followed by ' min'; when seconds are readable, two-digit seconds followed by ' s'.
4 h 03 min 00 s
